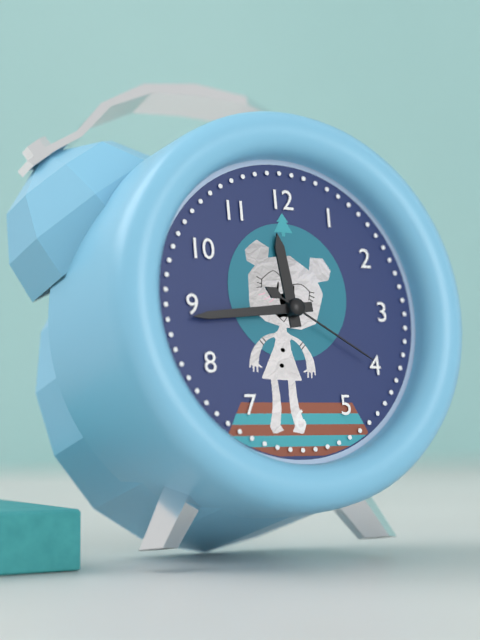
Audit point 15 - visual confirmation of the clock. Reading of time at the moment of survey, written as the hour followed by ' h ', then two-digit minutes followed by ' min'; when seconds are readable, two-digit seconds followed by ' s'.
11 h 44 min 20 s
